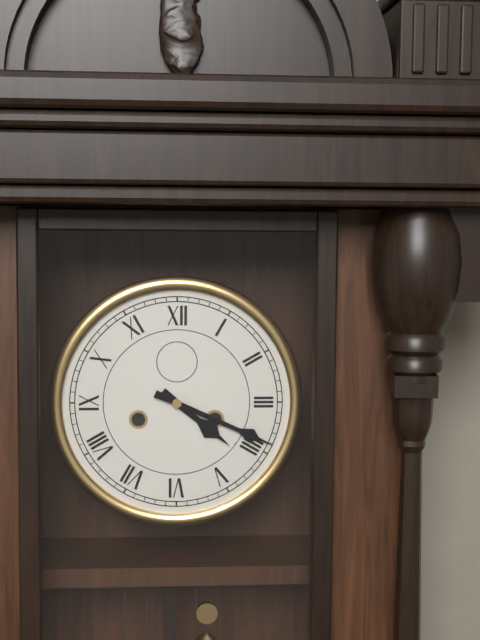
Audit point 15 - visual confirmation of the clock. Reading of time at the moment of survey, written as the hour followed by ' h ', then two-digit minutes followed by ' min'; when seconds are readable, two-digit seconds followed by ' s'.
4 h 19 min
